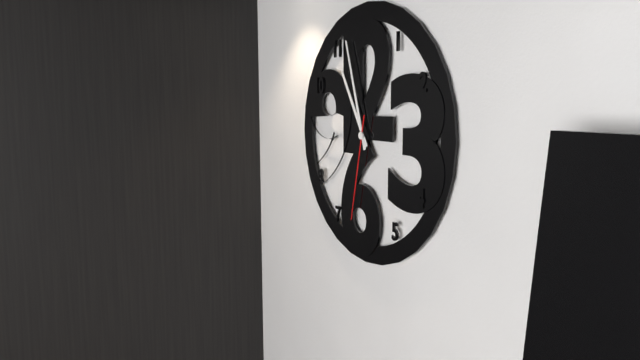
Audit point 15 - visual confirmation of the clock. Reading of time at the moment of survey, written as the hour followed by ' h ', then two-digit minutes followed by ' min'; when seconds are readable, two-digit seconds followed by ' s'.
10 h 57 min 32 s
